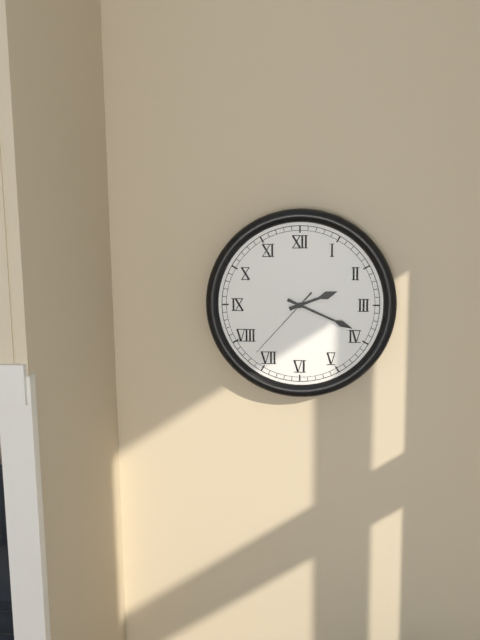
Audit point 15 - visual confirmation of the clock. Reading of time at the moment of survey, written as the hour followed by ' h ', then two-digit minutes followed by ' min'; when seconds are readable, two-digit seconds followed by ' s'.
2 h 19 min 37 s
